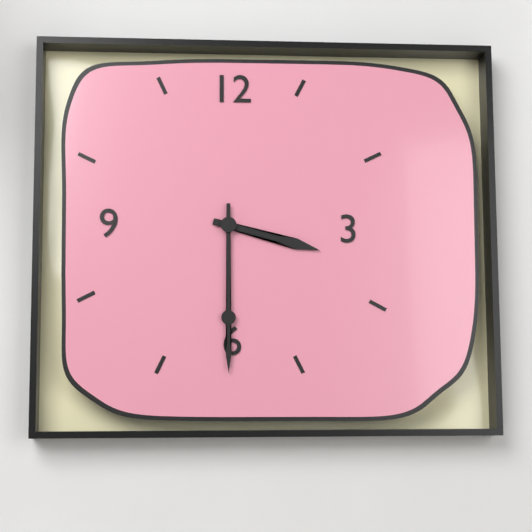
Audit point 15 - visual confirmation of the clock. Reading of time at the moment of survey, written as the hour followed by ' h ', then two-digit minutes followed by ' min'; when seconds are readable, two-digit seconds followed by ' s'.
3 h 30 min
